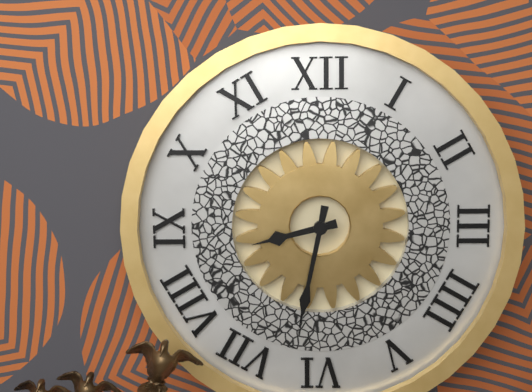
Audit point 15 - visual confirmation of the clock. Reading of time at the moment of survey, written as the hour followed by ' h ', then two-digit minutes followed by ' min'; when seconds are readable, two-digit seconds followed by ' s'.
8 h 32 min
